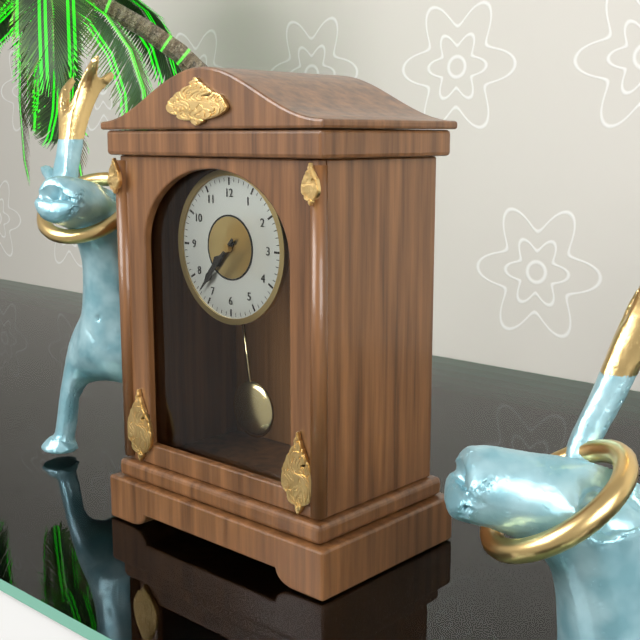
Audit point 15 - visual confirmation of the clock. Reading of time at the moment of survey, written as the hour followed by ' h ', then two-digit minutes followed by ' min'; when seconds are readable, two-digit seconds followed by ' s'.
7 h 37 min
